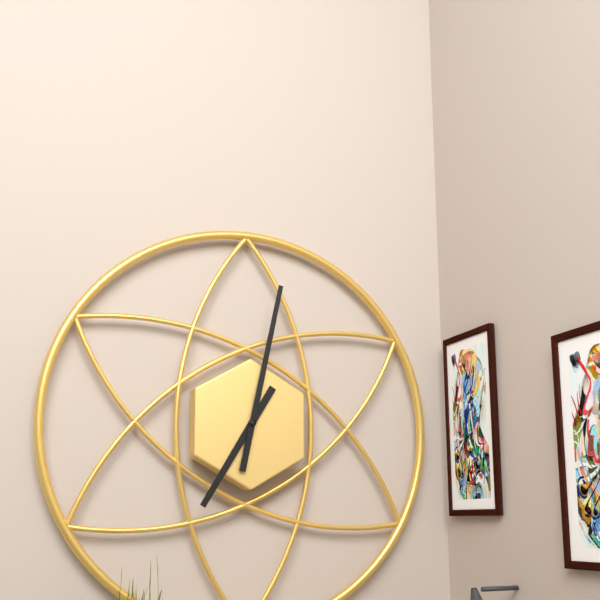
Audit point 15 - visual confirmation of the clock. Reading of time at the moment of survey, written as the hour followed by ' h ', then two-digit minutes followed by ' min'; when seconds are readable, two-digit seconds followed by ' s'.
7 h 02 min
